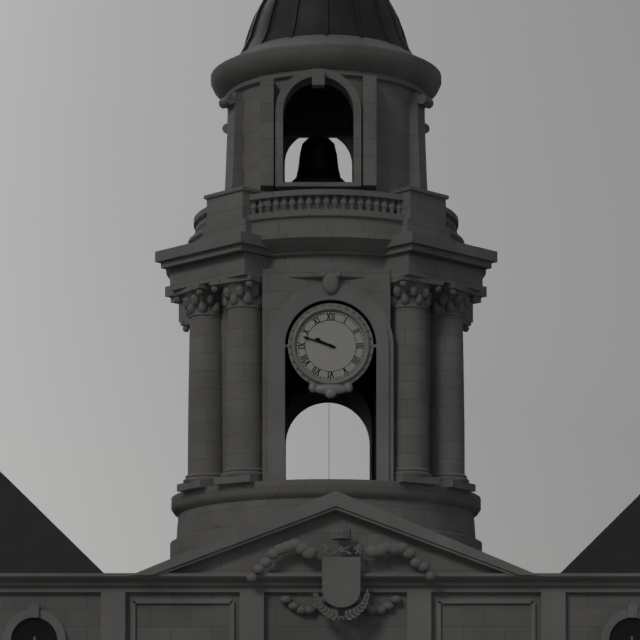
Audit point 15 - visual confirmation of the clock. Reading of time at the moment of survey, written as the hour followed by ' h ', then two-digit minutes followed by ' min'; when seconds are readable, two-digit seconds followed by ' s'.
9 h 48 min
